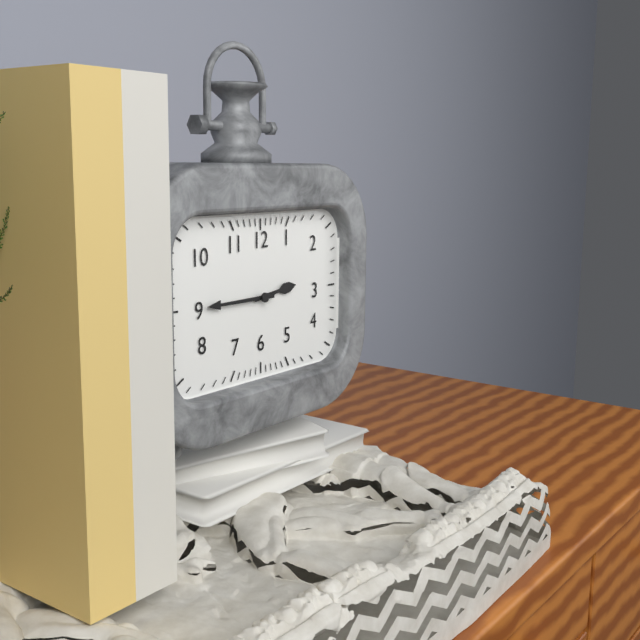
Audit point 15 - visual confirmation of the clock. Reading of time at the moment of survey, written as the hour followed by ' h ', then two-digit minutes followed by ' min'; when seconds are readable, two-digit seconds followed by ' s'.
2 h 45 min
